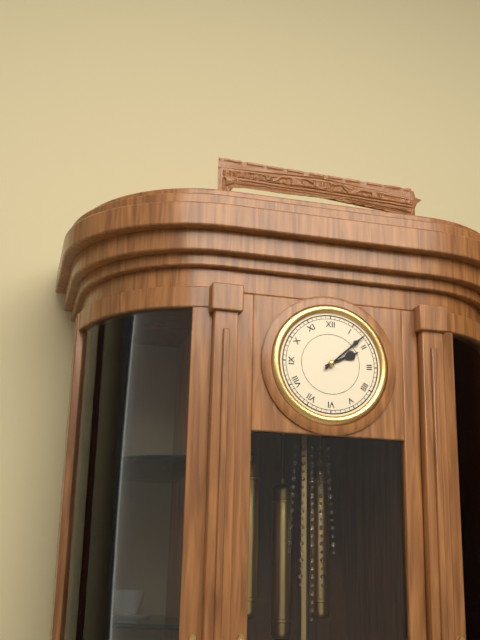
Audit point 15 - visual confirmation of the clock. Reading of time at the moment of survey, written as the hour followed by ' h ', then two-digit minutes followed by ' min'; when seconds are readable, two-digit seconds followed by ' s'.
2 h 08 min
